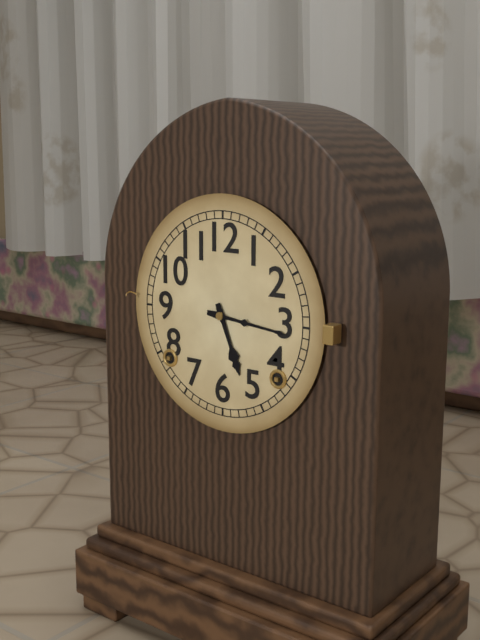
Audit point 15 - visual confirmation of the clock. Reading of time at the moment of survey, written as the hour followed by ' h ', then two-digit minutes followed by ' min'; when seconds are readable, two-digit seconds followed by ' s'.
5 h 16 min
